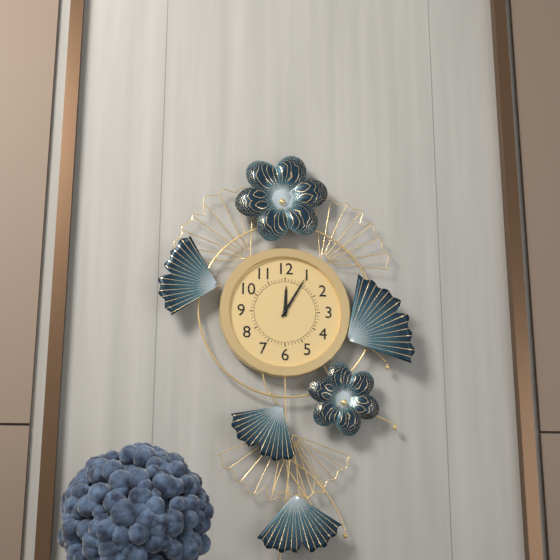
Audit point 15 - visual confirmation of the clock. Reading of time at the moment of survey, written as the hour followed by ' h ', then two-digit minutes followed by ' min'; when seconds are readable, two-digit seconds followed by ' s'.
12 h 05 min
